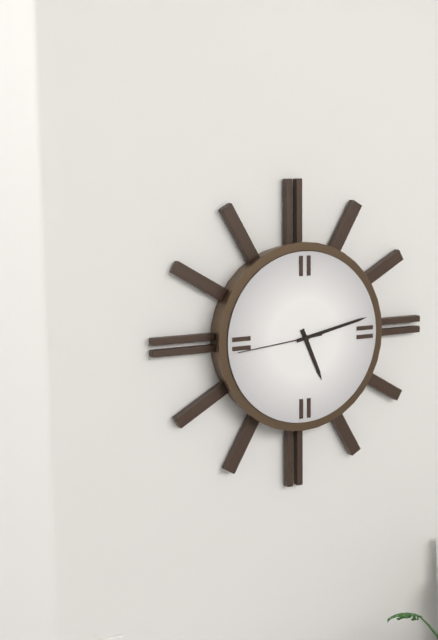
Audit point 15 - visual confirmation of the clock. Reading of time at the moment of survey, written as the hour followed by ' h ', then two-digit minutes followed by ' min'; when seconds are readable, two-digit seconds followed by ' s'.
5 h 13 min 44 s
